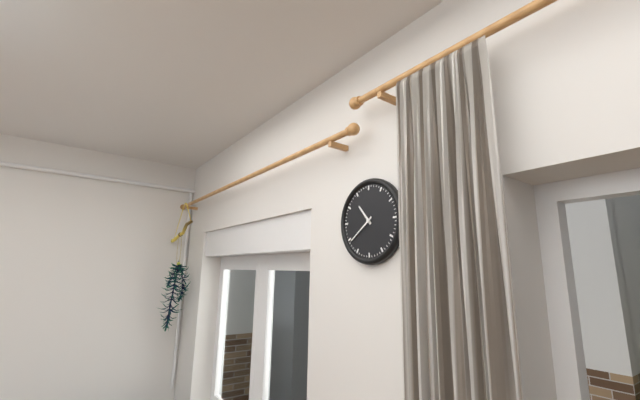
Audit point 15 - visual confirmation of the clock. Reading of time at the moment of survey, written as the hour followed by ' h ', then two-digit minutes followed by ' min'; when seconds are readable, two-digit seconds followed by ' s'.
10 h 39 min
